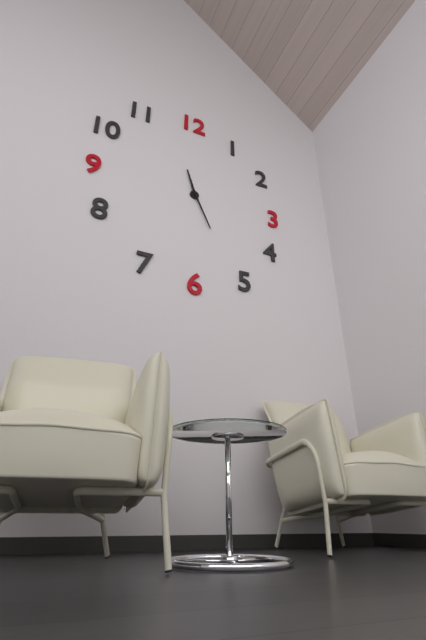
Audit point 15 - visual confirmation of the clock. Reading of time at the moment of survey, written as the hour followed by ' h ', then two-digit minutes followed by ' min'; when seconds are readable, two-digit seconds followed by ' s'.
11 h 26 min
